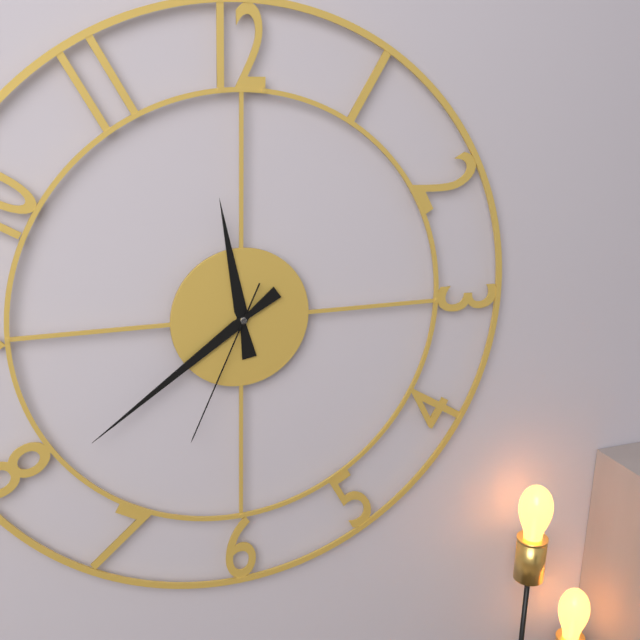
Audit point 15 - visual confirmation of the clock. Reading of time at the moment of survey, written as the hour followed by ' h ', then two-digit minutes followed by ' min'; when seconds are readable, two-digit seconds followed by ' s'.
11 h 39 min 34 s
